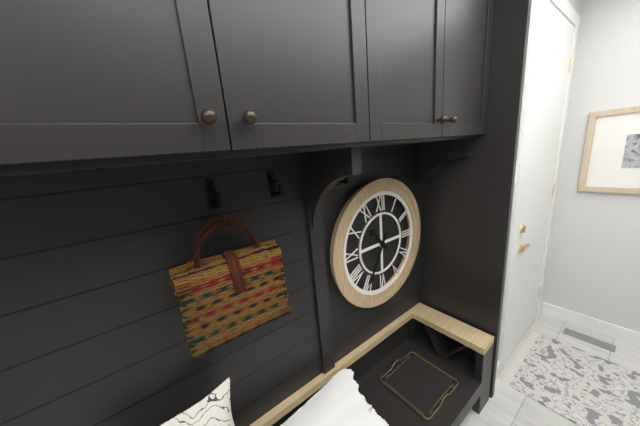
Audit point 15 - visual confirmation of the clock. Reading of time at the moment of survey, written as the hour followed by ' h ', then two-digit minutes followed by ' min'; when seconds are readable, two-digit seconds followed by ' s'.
10 h 35 min
